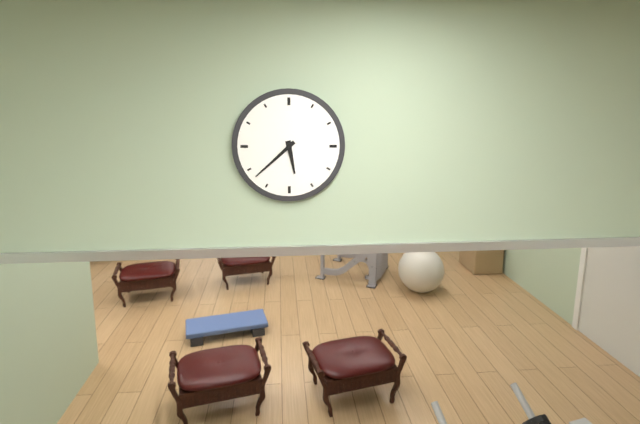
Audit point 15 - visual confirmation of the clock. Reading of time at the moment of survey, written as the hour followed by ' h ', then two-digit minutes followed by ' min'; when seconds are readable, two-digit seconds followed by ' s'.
5 h 38 min
